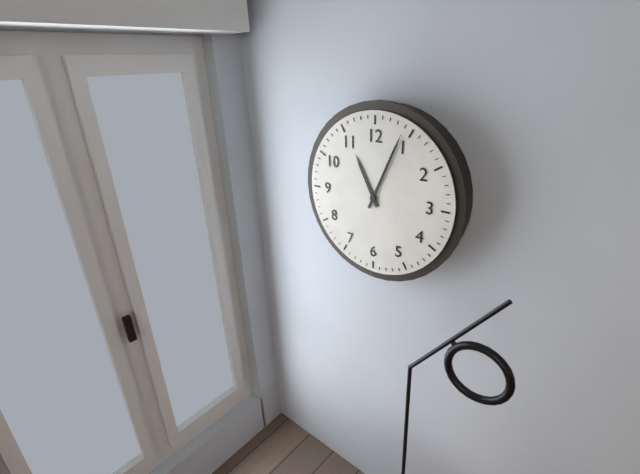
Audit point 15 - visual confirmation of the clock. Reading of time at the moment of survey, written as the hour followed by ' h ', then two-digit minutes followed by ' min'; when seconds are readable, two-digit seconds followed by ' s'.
11 h 04 min
